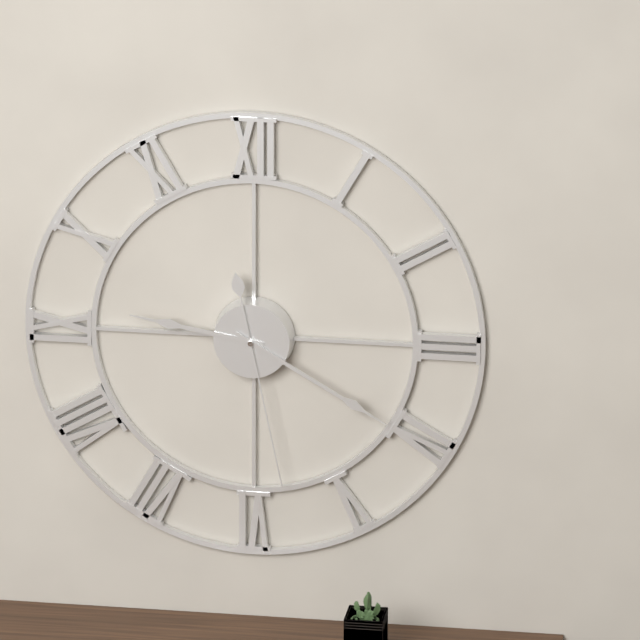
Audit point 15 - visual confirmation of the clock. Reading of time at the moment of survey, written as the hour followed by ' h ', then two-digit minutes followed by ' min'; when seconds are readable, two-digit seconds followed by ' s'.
9 h 20 min 28 s
